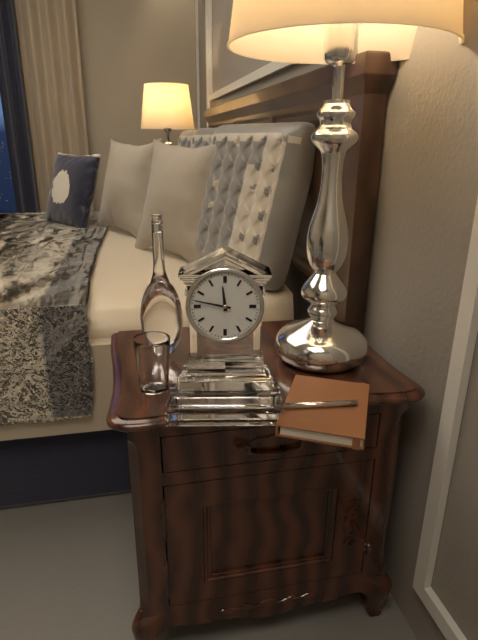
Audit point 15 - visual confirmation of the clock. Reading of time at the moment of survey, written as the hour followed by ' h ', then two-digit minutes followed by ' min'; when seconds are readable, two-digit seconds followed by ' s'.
11 h 47 min
